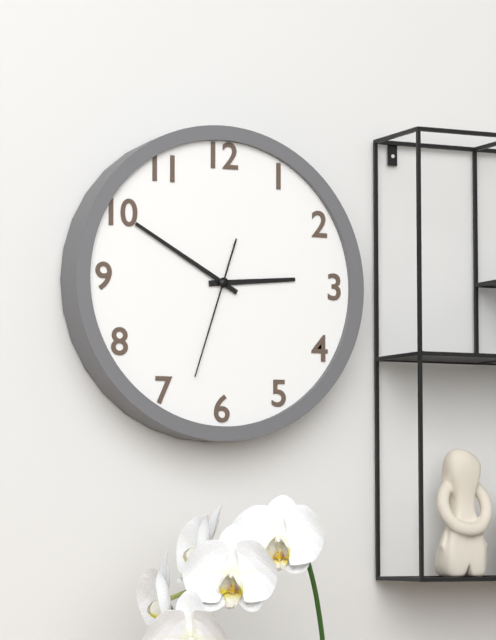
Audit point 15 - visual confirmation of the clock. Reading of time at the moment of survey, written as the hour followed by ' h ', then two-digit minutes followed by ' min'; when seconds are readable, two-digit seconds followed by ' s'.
2 h 50 min 33 s
